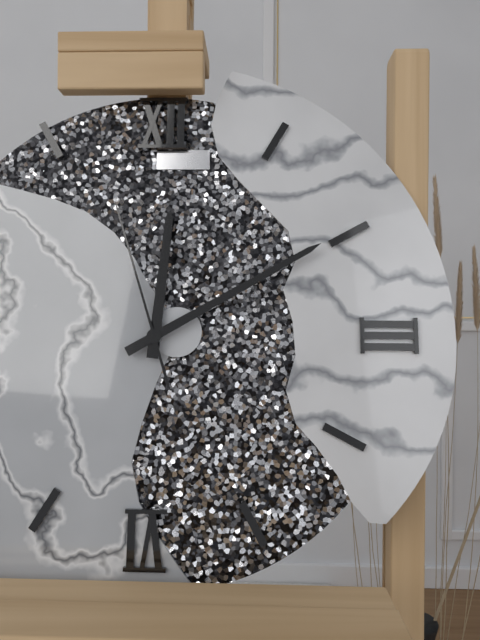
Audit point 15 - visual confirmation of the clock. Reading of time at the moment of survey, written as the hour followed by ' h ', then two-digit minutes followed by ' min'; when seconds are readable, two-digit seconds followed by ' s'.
12 h 10 min 57 s
